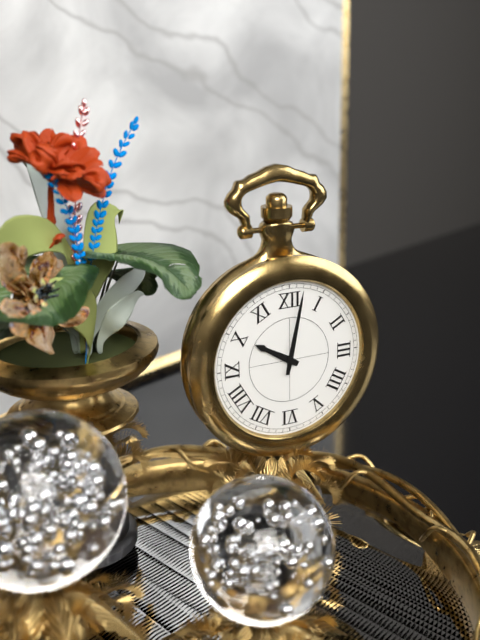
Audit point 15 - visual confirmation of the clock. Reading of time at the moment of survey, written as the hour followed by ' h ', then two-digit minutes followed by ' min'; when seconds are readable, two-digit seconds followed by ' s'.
10 h 02 min
